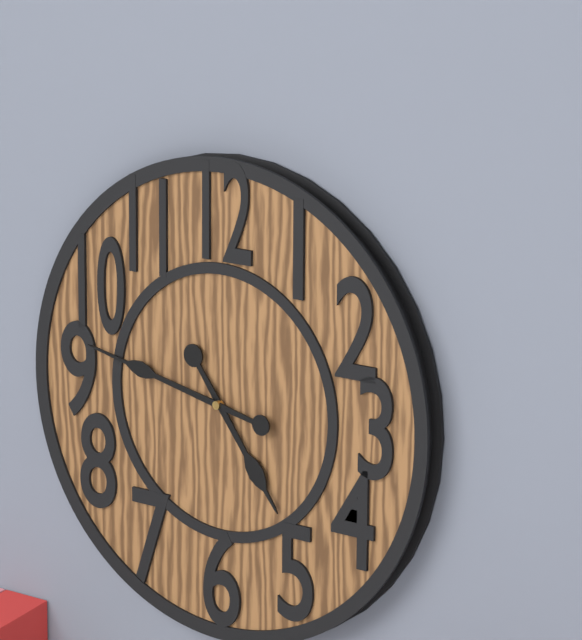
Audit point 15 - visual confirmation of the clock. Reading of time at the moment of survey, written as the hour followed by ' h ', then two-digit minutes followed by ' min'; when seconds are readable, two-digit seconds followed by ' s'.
4 h 47 min
